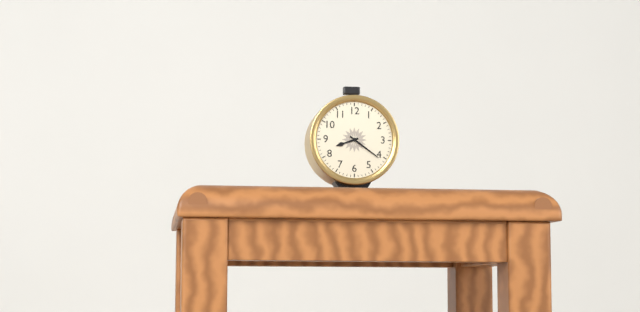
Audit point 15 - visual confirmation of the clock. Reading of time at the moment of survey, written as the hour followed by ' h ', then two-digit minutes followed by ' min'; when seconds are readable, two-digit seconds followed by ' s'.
8 h 21 min
